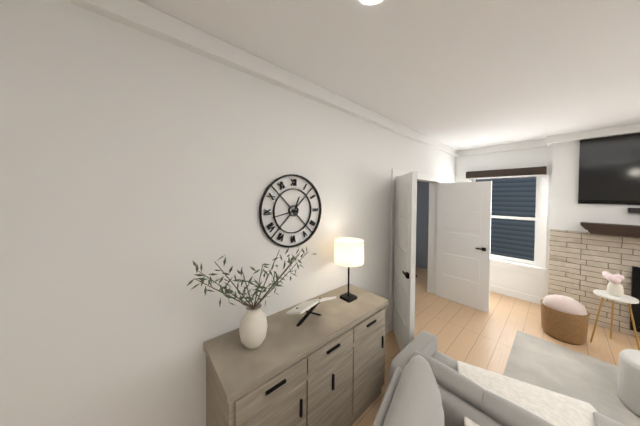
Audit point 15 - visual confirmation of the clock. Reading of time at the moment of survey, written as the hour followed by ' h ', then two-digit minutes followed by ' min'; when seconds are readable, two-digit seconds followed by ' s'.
12 h 43 min
